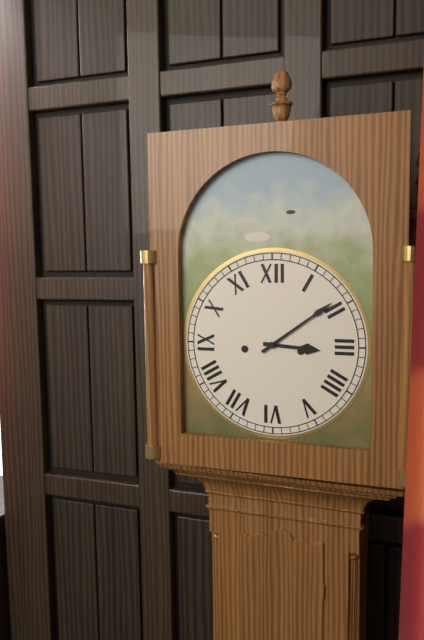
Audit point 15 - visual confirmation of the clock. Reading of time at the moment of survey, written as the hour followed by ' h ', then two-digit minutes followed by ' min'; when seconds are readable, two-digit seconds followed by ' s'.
3 h 09 min
